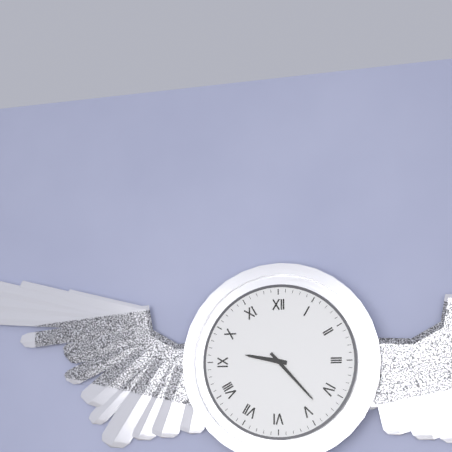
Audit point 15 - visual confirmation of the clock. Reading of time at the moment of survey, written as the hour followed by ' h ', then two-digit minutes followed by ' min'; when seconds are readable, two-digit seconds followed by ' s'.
9 h 23 min
